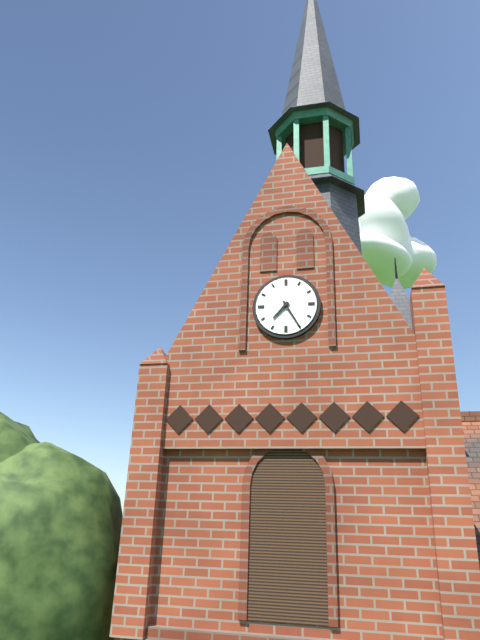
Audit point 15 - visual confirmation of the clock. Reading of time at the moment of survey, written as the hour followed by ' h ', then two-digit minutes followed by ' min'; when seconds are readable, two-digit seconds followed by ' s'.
7 h 25 min
